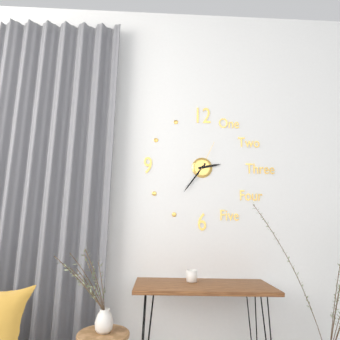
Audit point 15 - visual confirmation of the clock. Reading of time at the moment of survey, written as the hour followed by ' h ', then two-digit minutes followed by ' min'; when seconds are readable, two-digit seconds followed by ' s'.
2 h 36 min
